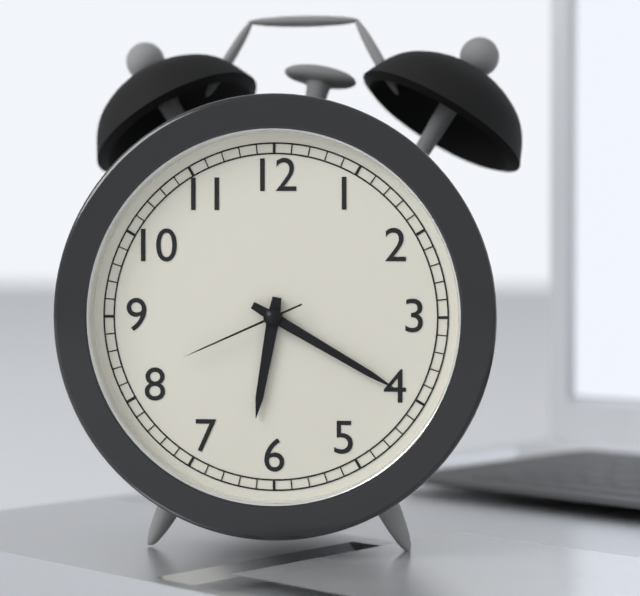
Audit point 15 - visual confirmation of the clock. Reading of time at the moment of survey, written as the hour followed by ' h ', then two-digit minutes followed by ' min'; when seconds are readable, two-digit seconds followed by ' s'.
6 h 20 min 41 s
